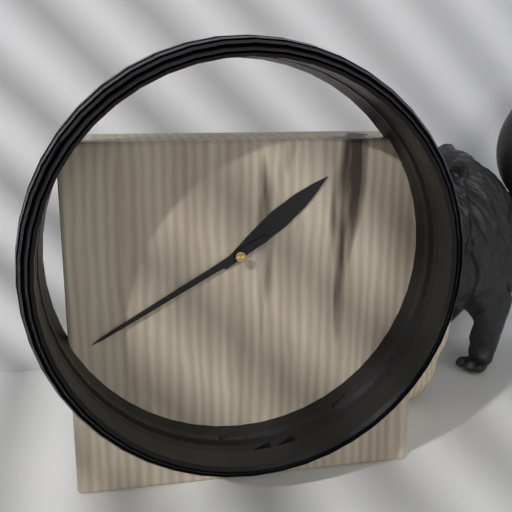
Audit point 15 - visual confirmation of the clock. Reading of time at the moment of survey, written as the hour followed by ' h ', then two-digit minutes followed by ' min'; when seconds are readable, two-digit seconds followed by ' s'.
1 h 40 min
